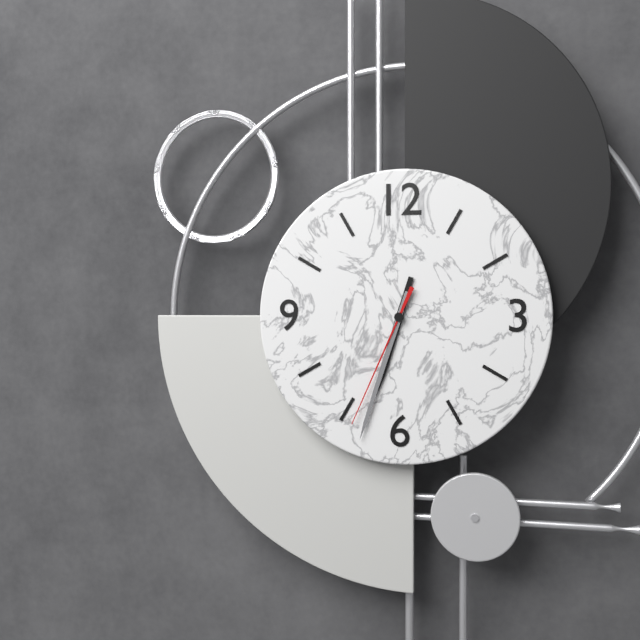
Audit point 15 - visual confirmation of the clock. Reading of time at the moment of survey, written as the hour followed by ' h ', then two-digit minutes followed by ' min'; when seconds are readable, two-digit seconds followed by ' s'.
6 h 33 min 34 s
